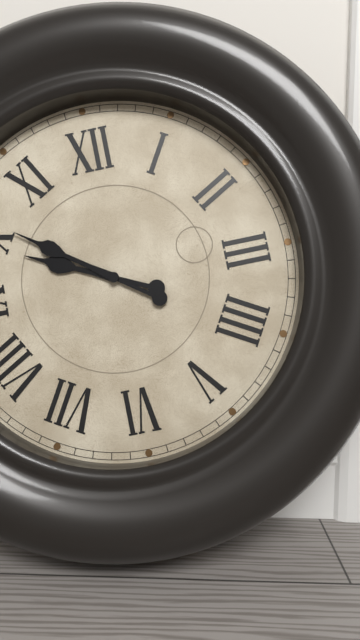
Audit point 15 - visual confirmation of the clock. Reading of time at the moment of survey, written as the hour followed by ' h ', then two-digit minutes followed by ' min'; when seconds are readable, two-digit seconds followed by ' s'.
9 h 51 min
